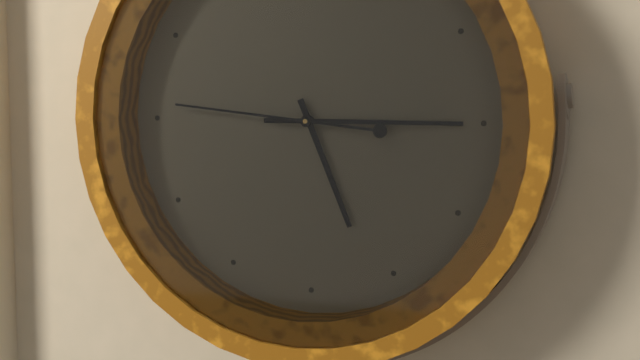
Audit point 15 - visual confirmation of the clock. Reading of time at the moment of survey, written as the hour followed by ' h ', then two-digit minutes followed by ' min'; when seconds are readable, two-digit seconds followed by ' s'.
5 h 15 min 46 s
